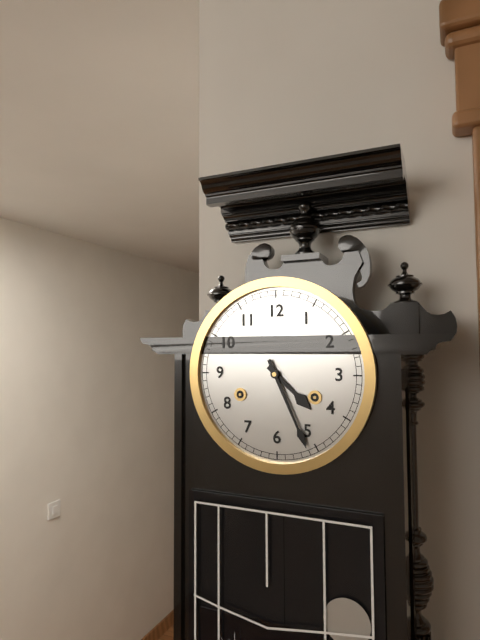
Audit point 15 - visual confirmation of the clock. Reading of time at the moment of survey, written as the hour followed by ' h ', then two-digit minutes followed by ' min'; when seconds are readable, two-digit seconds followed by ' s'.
4 h 26 min
